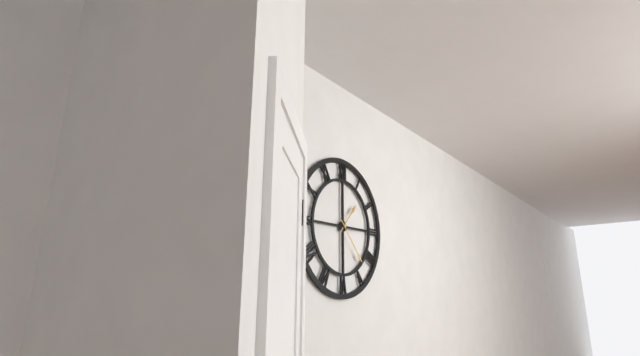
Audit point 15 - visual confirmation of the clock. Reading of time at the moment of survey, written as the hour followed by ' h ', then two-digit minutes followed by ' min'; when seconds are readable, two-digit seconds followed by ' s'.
1 h 23 min
